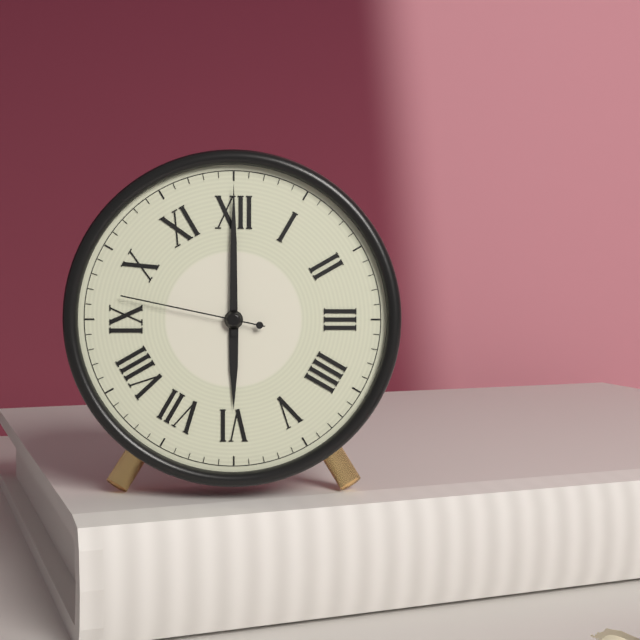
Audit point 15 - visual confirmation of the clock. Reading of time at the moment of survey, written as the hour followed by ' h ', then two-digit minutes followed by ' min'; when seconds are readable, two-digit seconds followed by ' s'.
6 h 00 min 47 s
